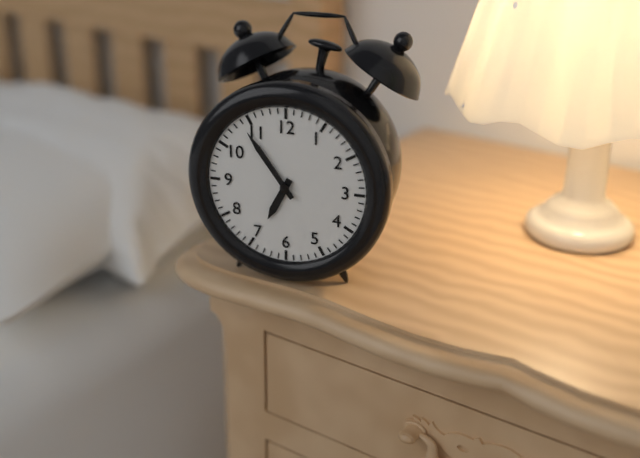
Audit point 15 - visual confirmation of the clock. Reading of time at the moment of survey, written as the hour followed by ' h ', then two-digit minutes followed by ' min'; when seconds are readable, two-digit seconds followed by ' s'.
6 h 54 min
